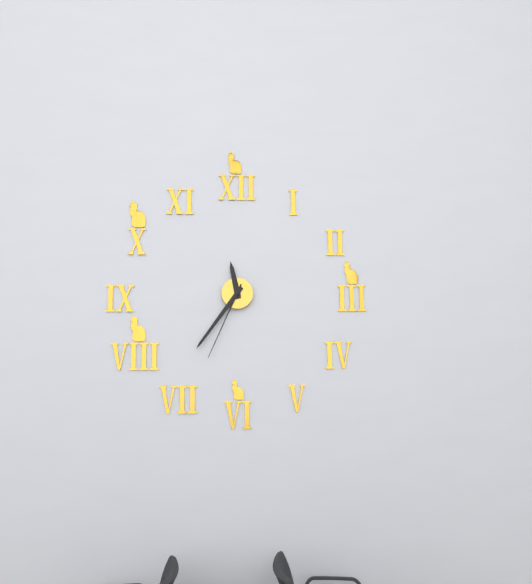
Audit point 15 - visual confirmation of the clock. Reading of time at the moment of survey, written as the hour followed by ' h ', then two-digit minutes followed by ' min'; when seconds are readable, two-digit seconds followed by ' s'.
11 h 36 min 34 s
